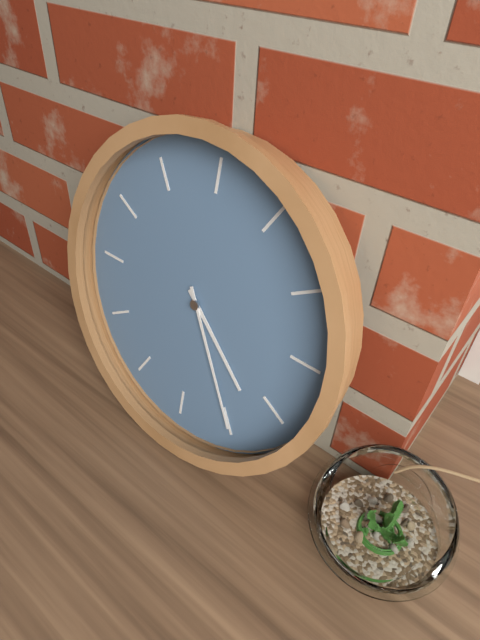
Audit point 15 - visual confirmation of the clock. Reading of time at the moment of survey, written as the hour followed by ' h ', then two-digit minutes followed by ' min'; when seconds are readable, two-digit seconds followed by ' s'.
4 h 25 min
